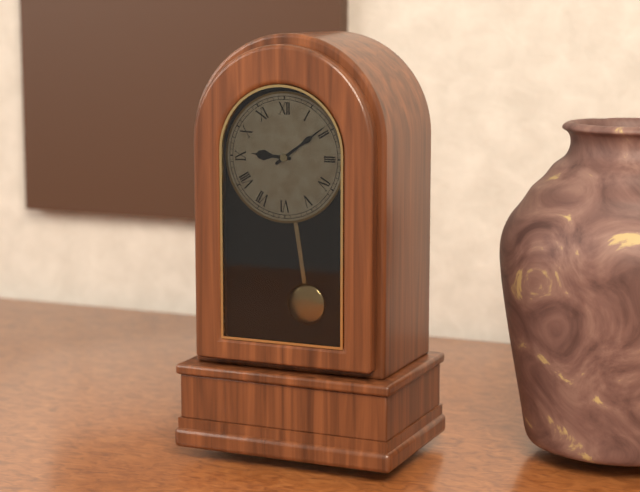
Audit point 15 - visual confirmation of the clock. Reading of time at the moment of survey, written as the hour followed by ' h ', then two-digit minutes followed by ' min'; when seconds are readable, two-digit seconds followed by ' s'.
9 h 09 min
